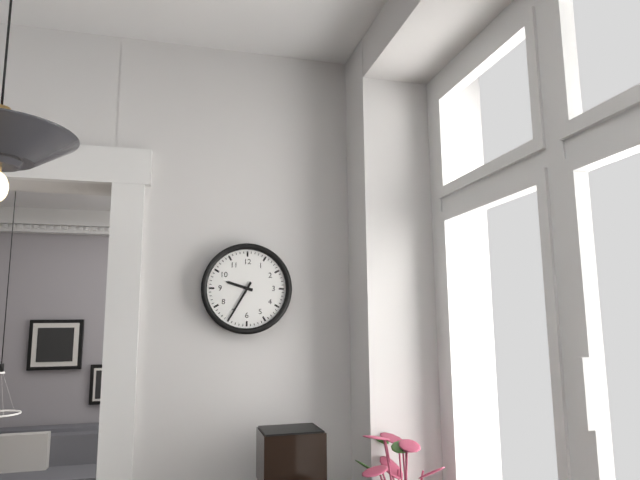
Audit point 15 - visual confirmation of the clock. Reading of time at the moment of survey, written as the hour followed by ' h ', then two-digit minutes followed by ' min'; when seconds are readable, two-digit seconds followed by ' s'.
9 h 35 min
